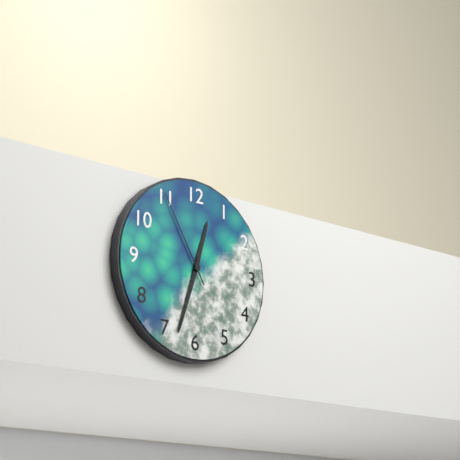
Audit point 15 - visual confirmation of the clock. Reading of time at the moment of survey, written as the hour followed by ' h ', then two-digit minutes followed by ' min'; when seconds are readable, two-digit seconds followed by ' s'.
12 h 33 min 55 s
